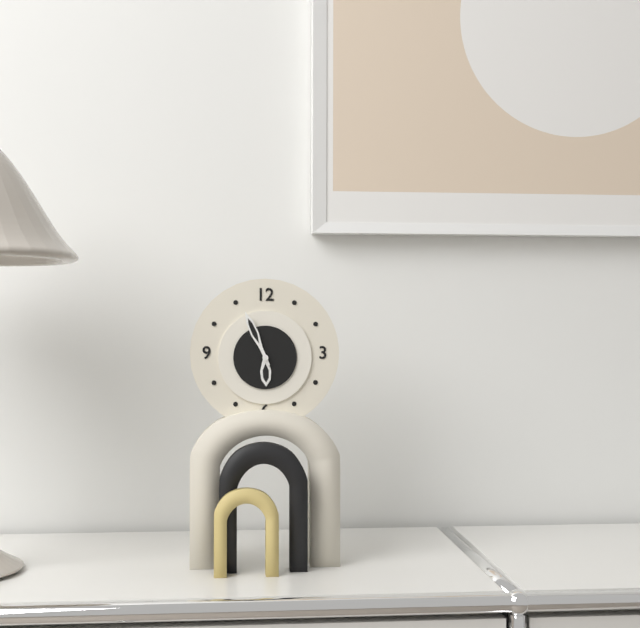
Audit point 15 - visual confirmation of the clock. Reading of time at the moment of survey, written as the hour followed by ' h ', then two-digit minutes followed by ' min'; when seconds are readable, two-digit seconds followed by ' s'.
5 h 56 min
